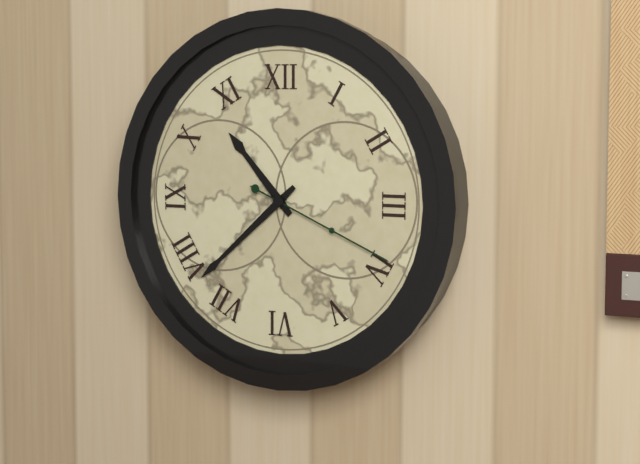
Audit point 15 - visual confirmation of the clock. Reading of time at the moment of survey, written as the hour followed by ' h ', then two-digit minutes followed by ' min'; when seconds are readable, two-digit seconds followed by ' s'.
10 h 38 min 19 s
